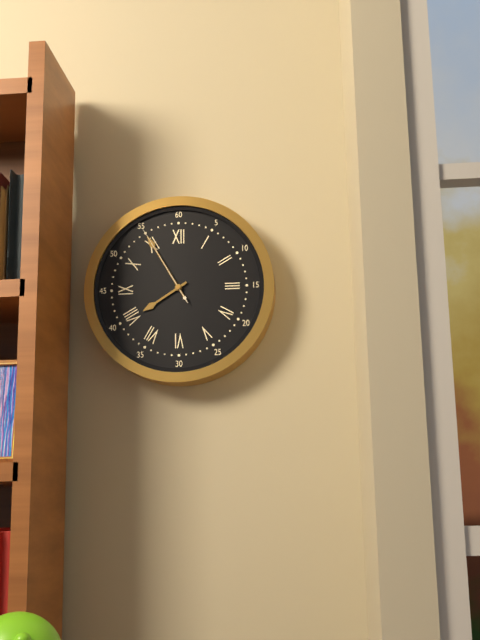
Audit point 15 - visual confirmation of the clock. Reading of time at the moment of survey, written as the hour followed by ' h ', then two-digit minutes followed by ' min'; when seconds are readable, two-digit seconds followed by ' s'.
7 h 55 min 55 s
